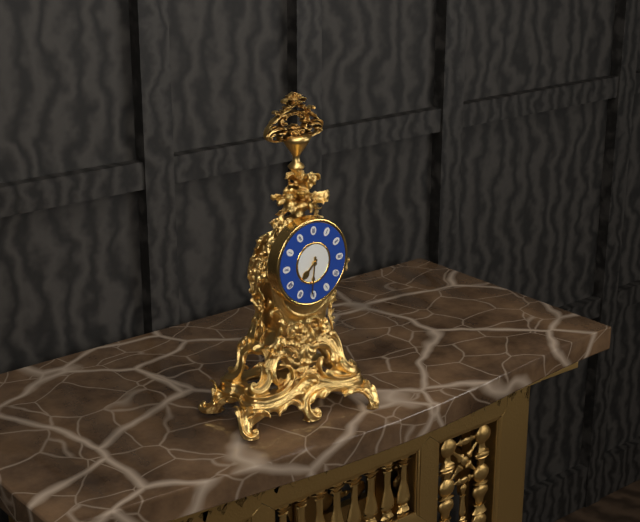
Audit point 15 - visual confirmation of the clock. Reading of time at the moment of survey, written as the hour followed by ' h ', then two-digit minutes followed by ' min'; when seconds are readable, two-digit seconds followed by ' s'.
7 h 31 min
